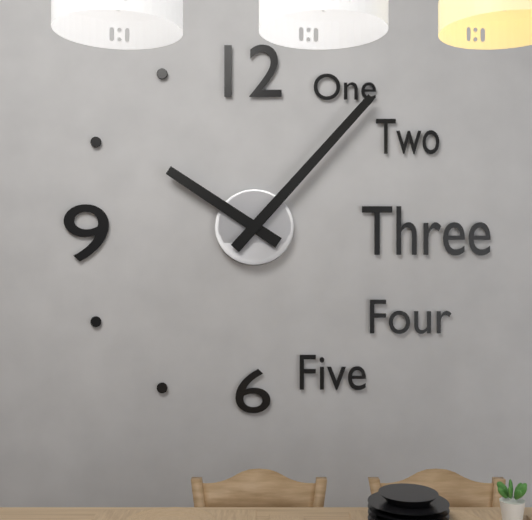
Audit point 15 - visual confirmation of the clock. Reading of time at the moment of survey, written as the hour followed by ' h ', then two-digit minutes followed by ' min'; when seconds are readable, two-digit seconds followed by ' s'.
10 h 07 min
